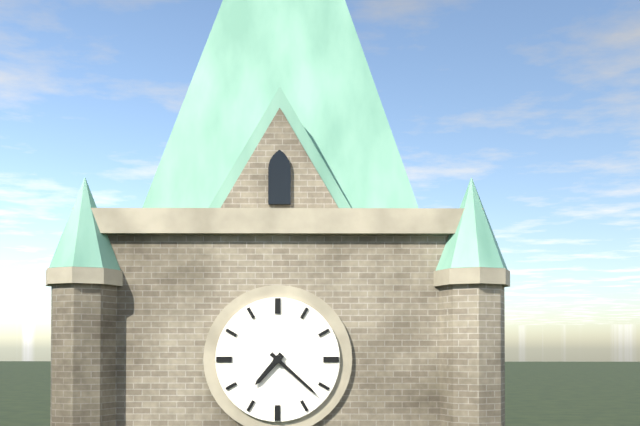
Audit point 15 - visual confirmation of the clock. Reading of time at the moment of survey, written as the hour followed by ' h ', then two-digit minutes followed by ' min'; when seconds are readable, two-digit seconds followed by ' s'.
7 h 22 min
